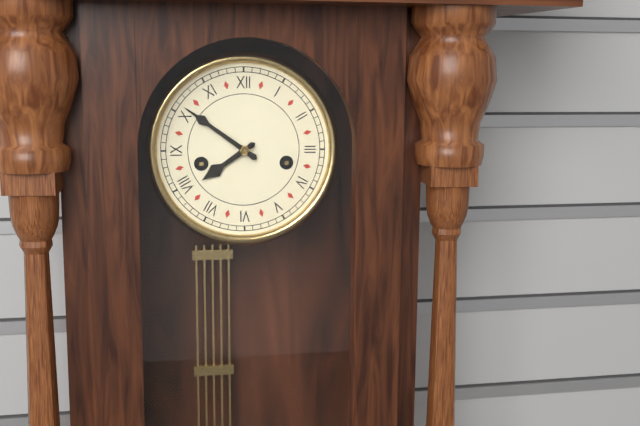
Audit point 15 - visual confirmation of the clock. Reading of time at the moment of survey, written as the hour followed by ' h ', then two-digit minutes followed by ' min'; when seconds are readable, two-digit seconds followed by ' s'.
7 h 51 min
